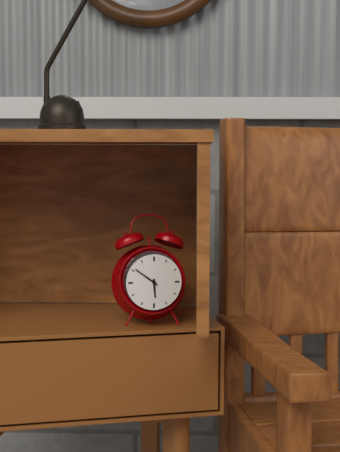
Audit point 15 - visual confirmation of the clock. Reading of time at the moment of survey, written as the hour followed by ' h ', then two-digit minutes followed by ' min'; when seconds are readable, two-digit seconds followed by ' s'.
5 h 51 min
